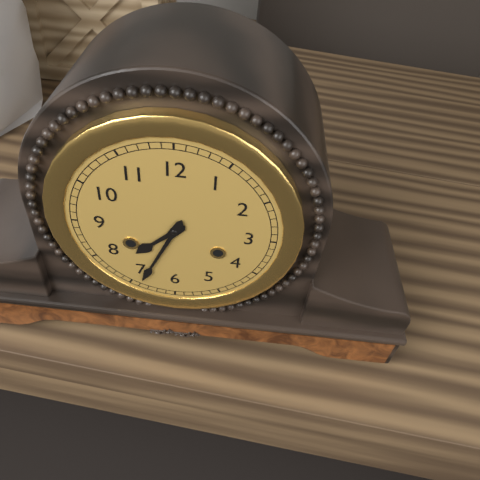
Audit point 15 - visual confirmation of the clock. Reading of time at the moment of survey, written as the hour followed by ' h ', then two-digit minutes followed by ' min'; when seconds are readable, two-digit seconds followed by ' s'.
7 h 34 min
